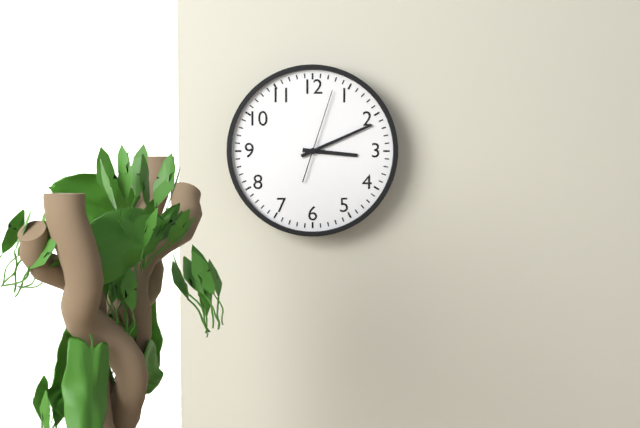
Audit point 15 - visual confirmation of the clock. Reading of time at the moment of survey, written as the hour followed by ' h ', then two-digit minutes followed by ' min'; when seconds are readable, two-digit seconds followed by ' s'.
3 h 11 min 03 s
